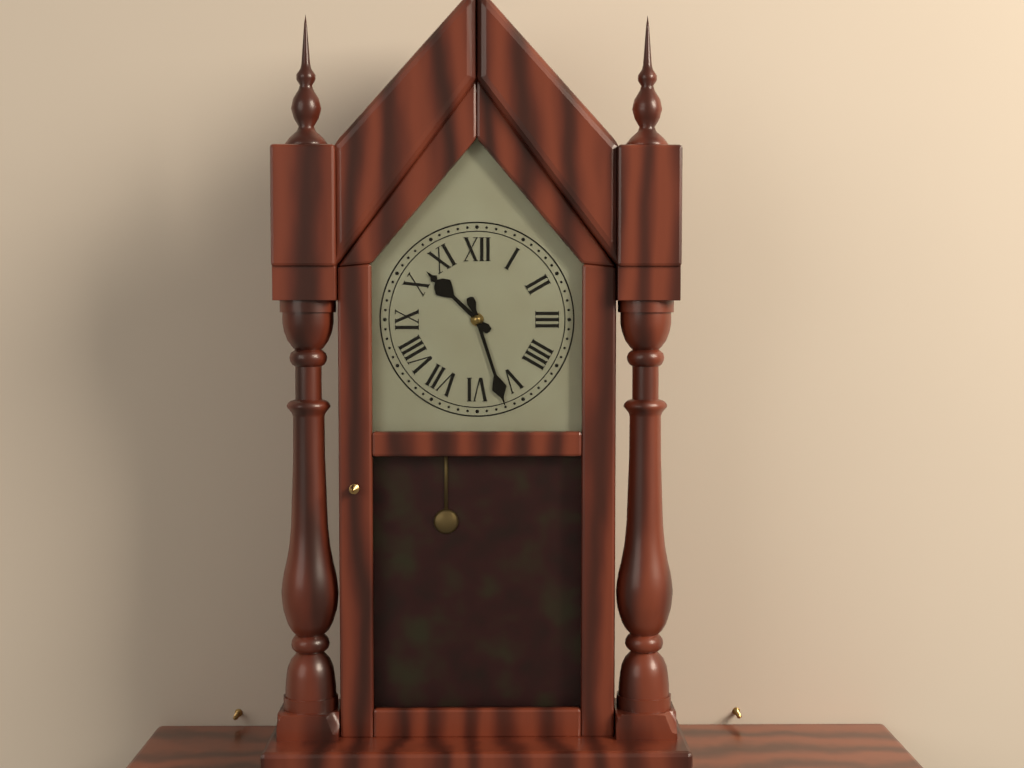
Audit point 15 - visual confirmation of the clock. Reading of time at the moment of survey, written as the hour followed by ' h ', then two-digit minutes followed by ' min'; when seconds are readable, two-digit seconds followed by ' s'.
10 h 27 min
